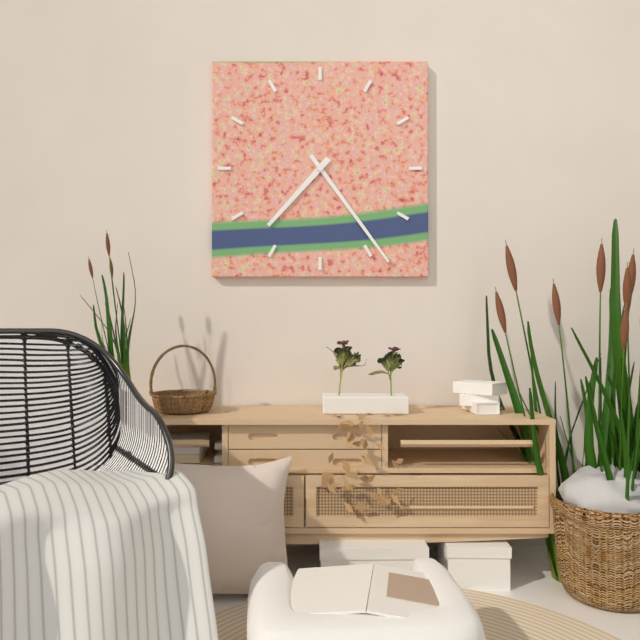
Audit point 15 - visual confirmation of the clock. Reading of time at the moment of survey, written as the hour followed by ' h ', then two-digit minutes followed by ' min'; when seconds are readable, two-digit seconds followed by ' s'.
7 h 24 min
